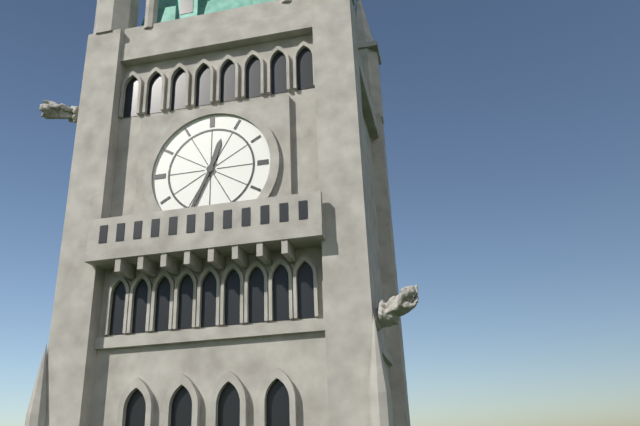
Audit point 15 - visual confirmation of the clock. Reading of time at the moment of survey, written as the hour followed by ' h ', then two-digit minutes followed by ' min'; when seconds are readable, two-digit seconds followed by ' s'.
12 h 34 min
